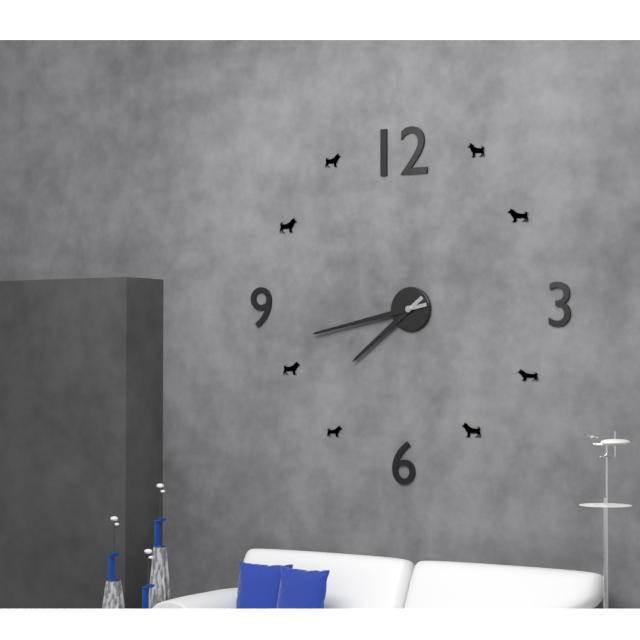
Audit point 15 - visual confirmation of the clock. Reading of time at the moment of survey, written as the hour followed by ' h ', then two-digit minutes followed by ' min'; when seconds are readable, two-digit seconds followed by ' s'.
7 h 43 min
